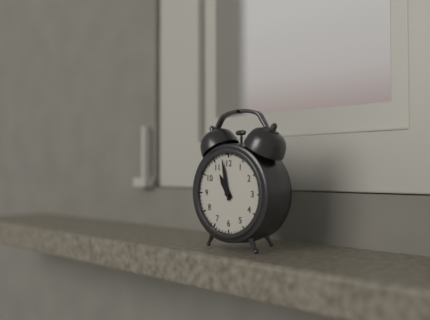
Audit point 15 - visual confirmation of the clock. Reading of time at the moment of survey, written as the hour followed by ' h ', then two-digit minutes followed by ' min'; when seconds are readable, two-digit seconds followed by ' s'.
10 h 58 min
